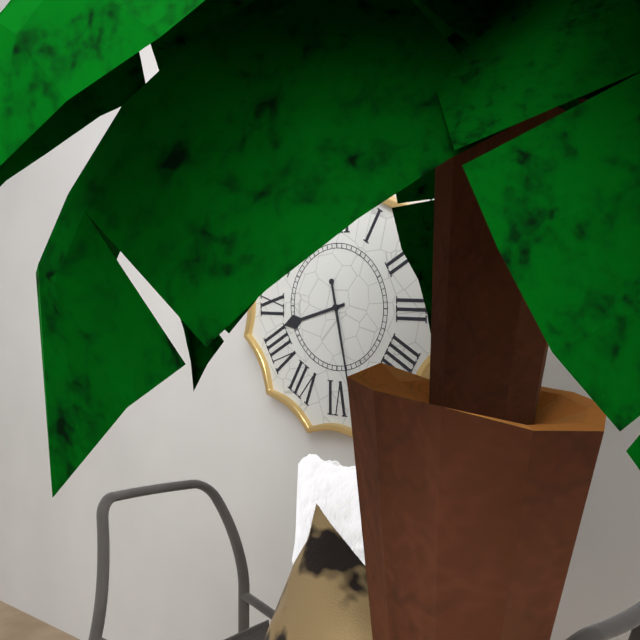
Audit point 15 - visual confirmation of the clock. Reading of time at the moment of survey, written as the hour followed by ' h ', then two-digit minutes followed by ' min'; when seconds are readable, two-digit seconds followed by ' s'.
8 h 28 min
